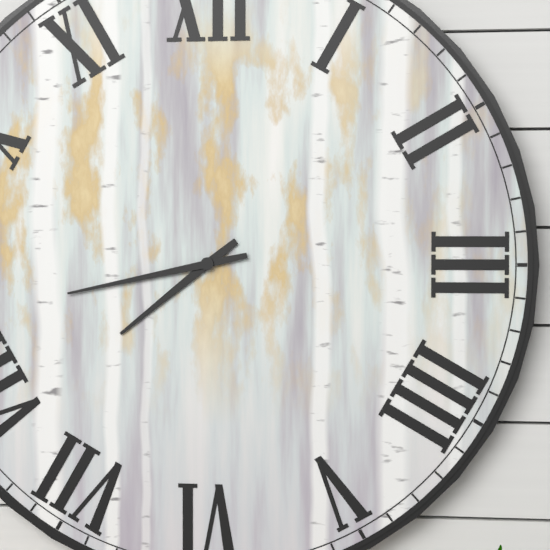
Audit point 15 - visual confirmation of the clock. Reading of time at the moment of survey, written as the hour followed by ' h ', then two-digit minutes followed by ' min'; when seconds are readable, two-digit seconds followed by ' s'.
7 h 43 min
